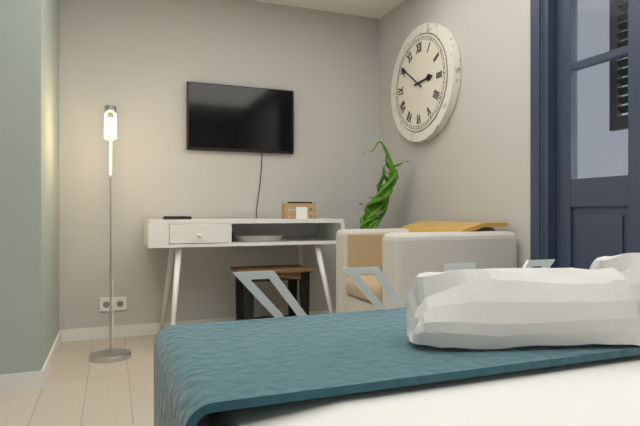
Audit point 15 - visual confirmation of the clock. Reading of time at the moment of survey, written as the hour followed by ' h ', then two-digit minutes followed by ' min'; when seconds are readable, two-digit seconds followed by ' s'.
2 h 51 min
